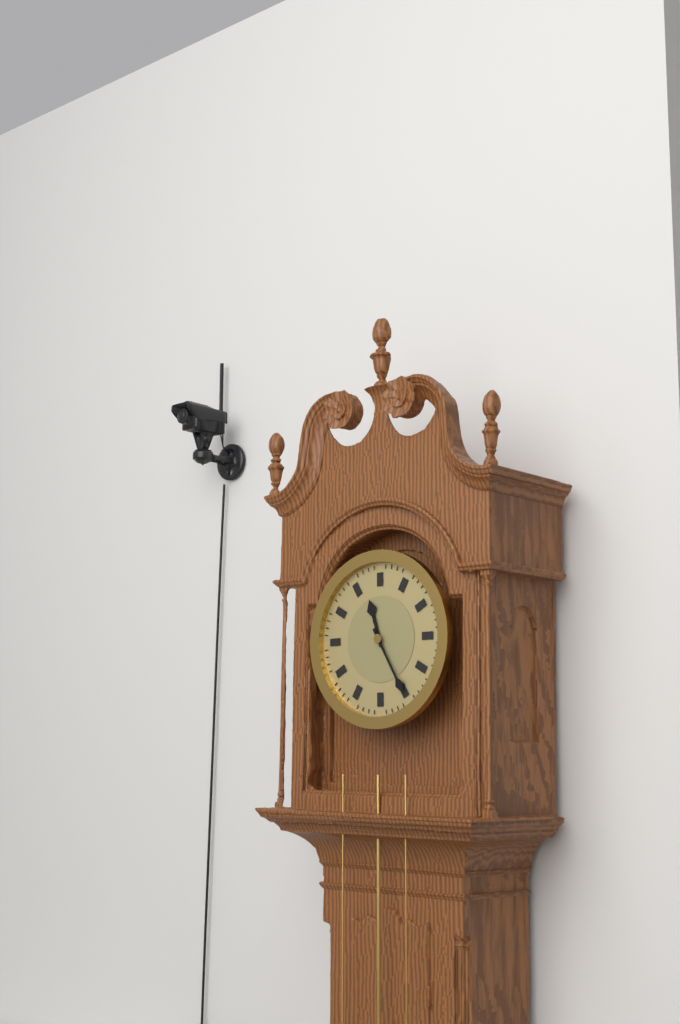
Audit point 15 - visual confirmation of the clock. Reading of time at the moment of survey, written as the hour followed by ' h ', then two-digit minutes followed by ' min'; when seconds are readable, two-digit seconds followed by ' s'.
11 h 25 min
